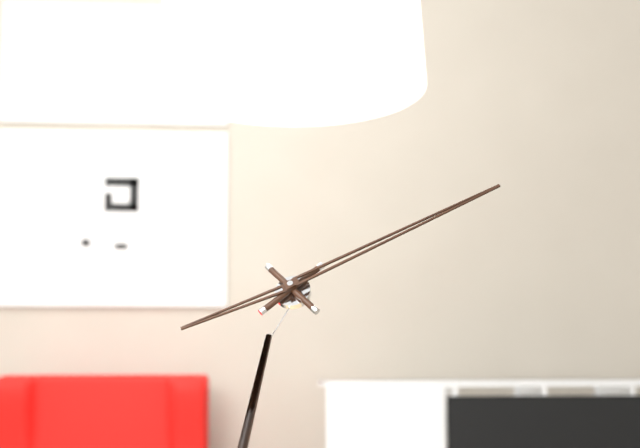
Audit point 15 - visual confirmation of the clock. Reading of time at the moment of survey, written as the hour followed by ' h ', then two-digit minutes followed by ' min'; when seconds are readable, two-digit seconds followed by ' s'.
8 h 10 min
